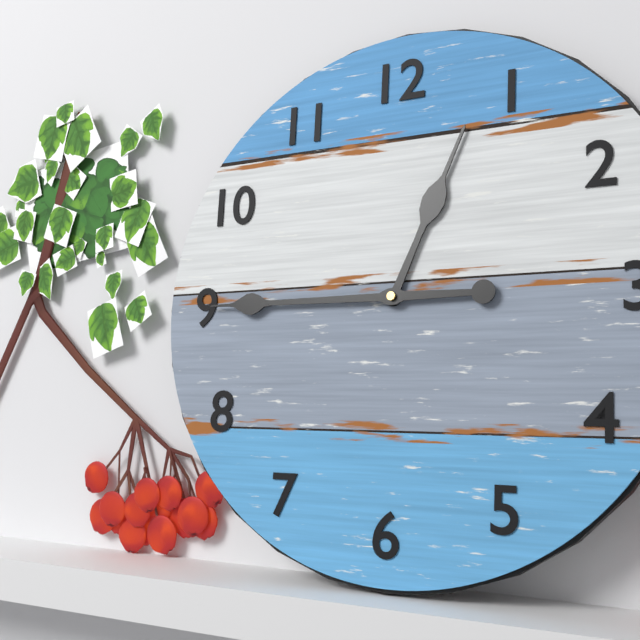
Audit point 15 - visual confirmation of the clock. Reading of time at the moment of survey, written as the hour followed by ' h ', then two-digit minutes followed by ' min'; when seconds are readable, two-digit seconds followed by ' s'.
12 h 45 min
